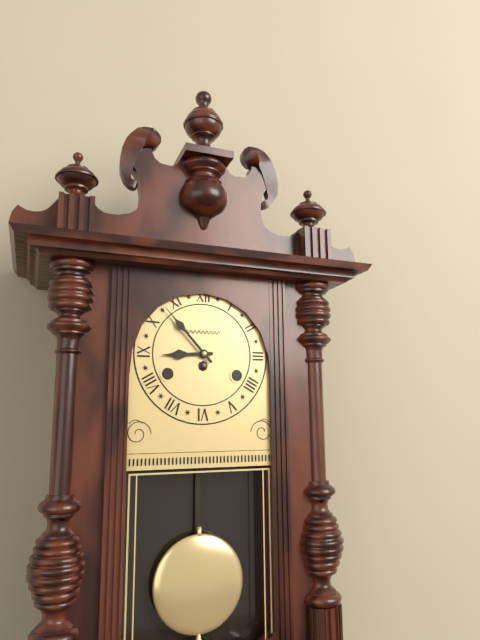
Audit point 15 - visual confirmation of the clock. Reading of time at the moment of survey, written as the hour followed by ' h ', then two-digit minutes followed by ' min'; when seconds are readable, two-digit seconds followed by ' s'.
8 h 53 min
